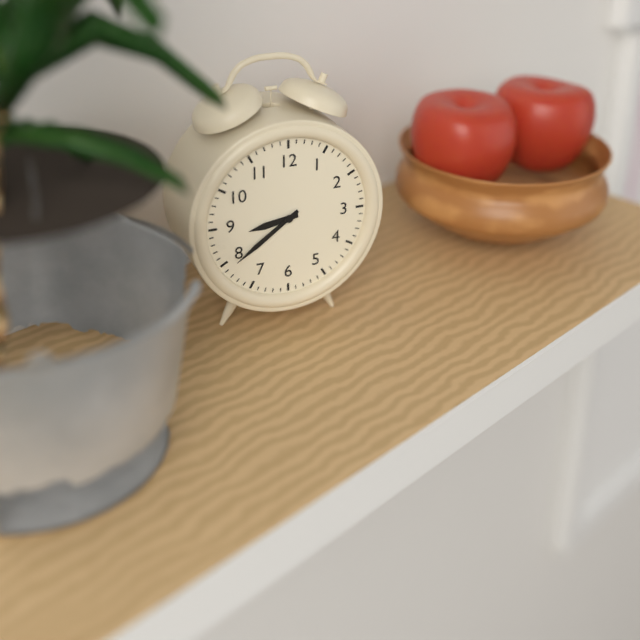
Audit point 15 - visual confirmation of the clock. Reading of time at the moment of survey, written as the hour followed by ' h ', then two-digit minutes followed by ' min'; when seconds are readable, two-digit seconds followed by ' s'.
8 h 39 min
